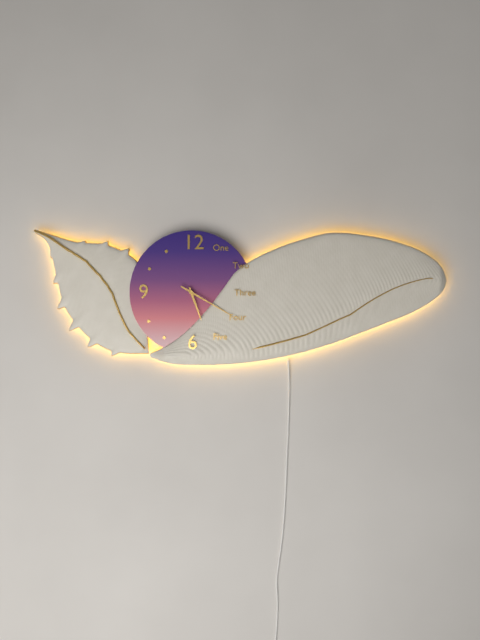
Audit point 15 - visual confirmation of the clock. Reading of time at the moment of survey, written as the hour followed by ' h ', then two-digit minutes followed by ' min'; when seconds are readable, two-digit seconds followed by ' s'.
5 h 20 min
